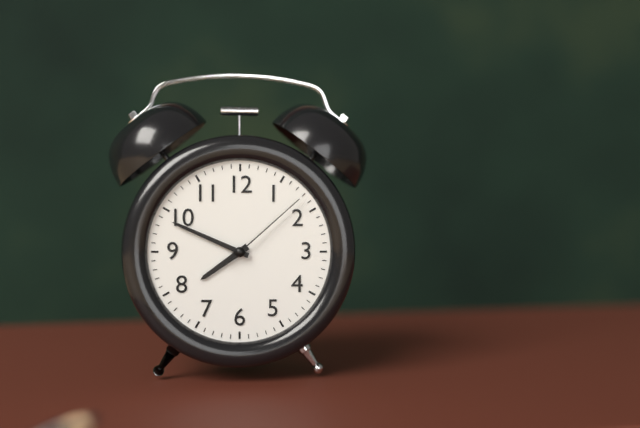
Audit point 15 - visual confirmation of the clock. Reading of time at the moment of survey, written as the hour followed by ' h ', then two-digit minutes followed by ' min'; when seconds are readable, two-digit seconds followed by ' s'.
7 h 49 min 08 s
